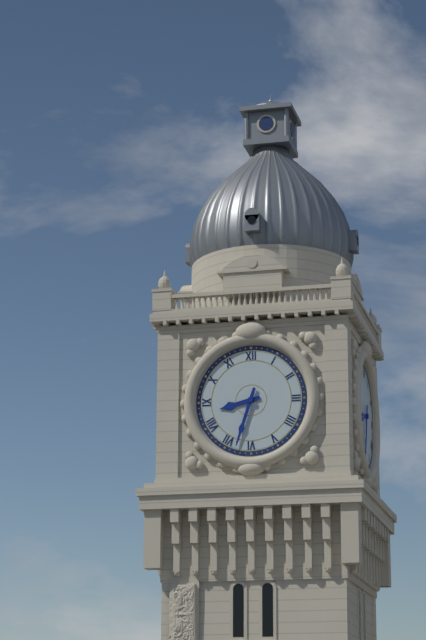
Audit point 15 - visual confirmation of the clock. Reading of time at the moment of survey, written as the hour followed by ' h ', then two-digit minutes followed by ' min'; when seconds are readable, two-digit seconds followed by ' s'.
8 h 33 min
